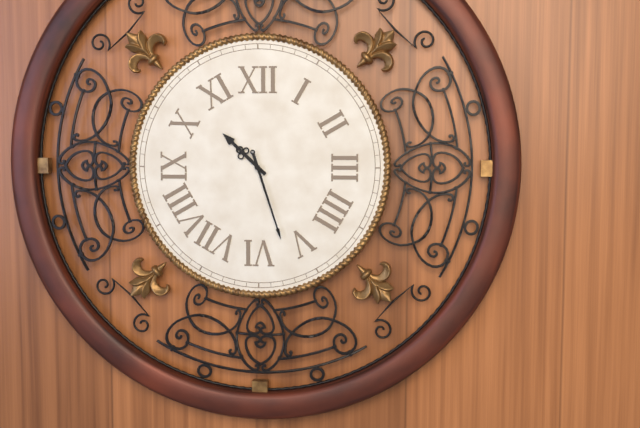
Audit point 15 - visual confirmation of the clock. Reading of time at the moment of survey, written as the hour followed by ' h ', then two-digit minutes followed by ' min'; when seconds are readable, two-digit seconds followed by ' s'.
10 h 27 min
